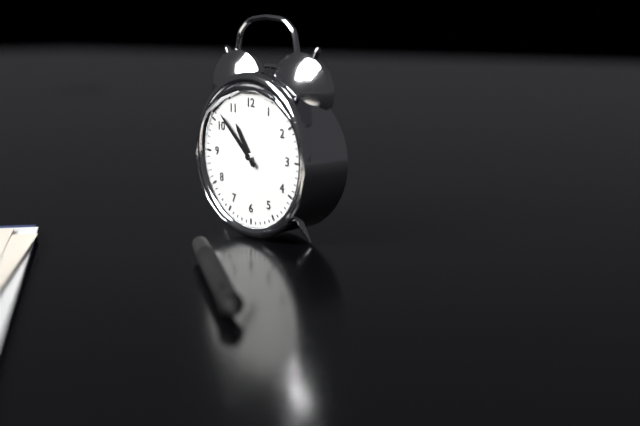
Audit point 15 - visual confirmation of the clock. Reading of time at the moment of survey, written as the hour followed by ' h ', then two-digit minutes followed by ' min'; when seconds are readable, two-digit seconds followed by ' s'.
10 h 52 min
